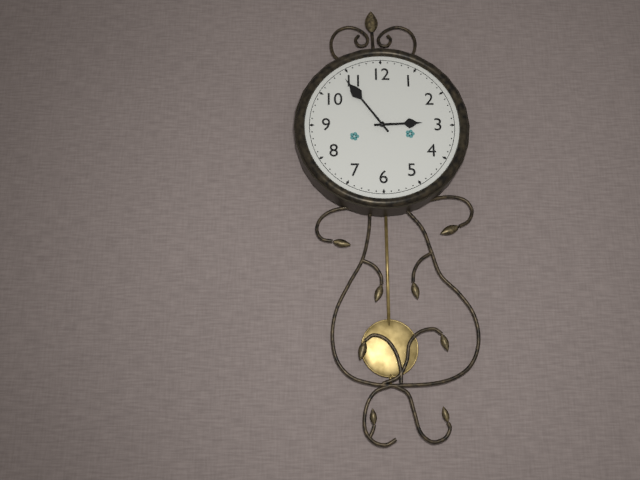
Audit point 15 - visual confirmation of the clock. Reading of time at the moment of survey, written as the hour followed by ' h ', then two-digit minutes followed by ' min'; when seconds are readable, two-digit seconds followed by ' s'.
2 h 54 min
